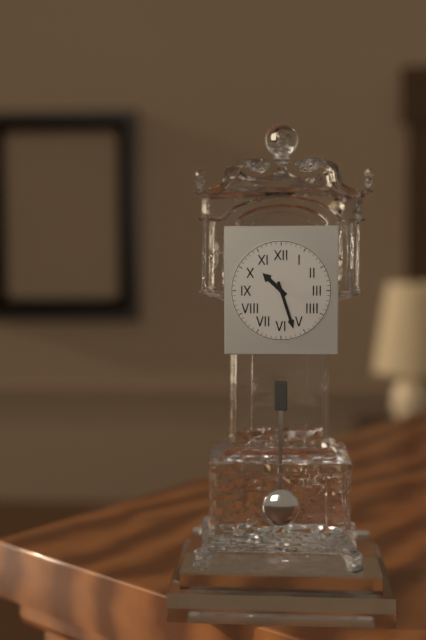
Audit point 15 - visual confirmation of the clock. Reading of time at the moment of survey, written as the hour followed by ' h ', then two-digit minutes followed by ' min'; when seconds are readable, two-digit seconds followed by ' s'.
10 h 27 min
